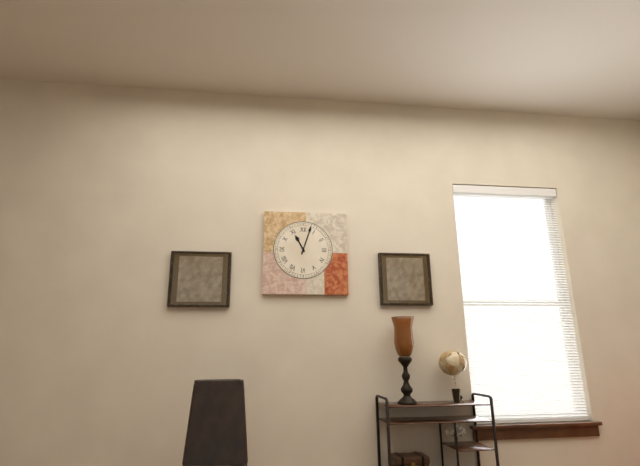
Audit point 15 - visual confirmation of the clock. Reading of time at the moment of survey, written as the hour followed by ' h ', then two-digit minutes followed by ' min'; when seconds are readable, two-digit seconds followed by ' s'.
11 h 03 min
